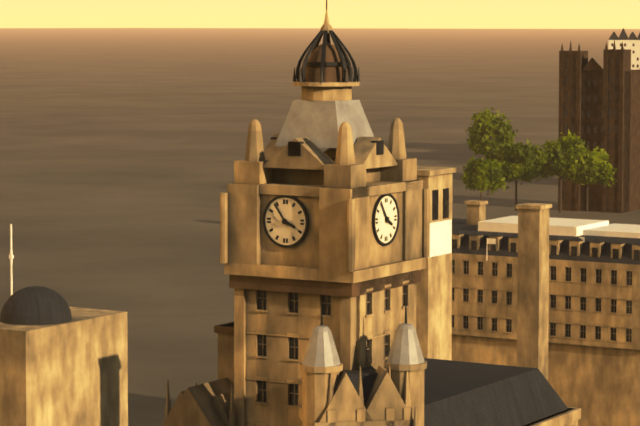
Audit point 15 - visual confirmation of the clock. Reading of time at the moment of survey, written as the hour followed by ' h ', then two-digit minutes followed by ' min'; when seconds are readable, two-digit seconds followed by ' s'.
3 h 54 min
